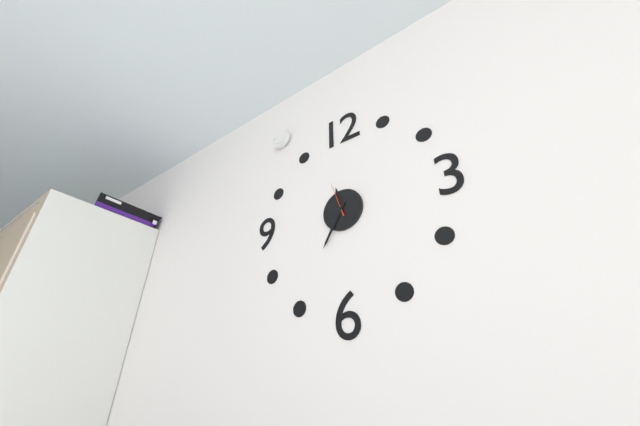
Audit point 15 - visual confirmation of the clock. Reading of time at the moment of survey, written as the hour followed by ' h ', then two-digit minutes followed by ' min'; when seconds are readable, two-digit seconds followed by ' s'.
11 h 35 min
